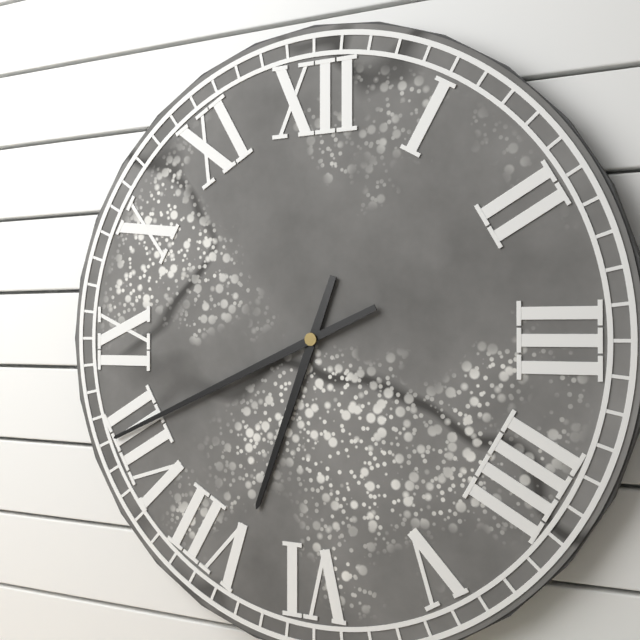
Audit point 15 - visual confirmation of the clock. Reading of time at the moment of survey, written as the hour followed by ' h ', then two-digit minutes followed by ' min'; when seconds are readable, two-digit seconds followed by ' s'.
6 h 41 min
